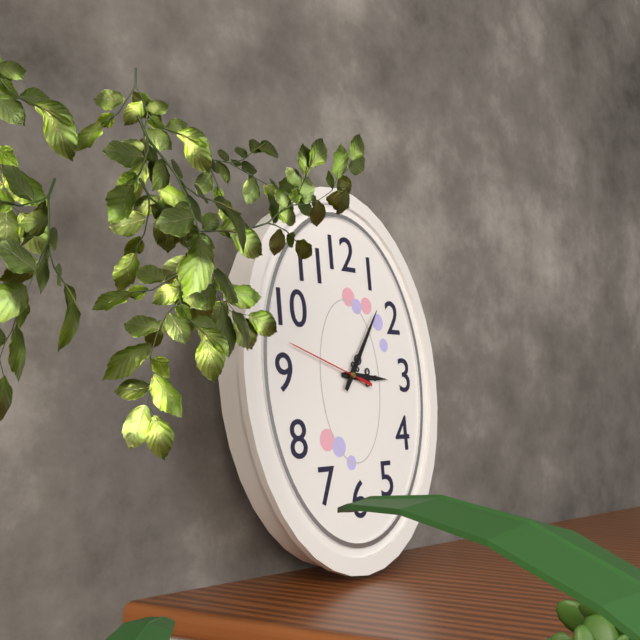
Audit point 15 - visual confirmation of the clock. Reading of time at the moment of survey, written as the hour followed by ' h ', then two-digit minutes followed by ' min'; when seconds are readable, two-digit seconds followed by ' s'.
3 h 06 min 48 s
